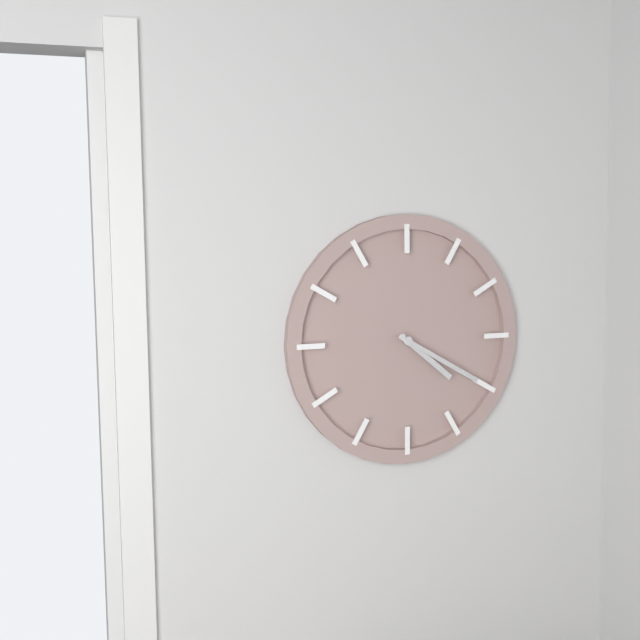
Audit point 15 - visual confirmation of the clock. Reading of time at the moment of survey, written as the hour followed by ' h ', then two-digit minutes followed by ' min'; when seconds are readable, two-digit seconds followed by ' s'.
4 h 20 min
